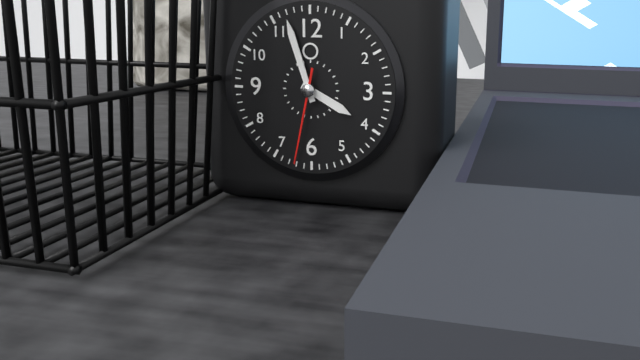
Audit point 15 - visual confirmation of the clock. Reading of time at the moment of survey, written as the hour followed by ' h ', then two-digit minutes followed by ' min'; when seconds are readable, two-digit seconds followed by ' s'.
3 h 57 min 32 s
